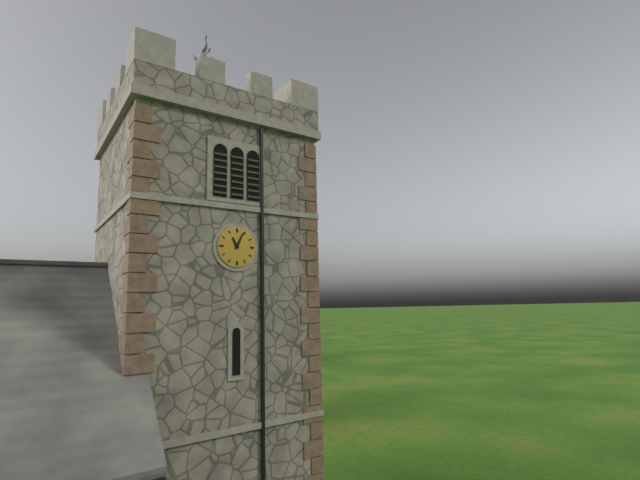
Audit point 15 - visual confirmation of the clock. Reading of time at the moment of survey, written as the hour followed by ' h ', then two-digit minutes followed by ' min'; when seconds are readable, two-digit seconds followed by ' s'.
11 h 04 min
